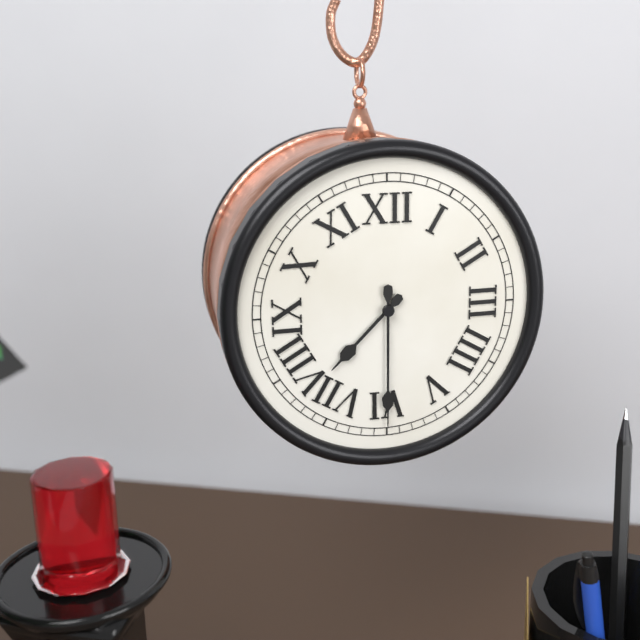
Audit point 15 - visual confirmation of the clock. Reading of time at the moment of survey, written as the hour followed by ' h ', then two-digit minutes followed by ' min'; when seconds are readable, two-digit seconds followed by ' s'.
7 h 30 min
